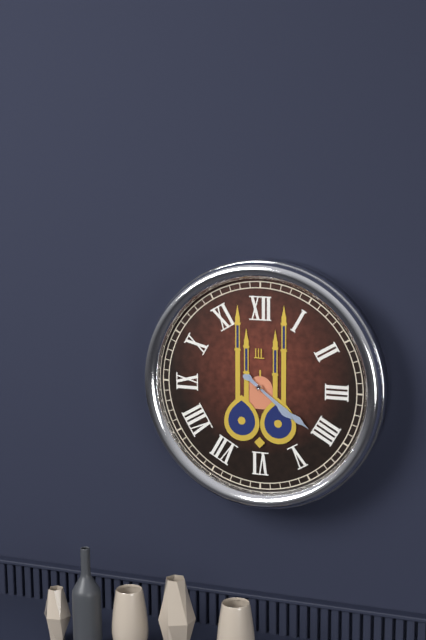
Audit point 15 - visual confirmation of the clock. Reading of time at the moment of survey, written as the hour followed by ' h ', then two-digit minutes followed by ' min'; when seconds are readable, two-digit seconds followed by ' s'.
4 h 21 min
